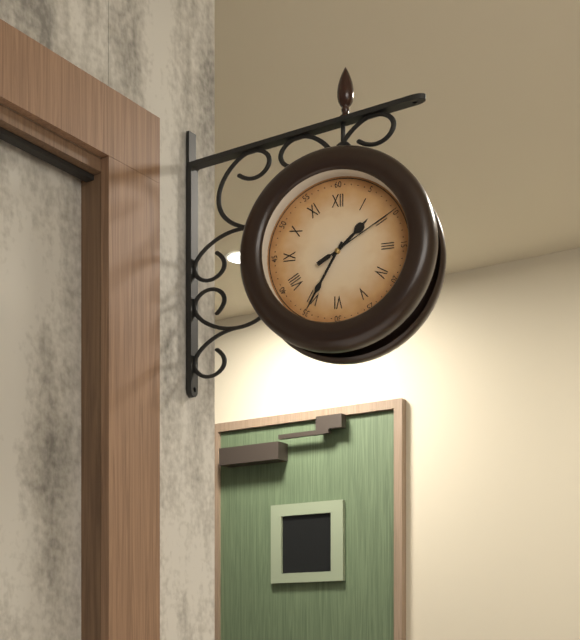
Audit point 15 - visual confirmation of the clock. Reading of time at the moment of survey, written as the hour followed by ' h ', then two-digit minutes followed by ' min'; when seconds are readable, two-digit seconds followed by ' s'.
1 h 35 min 10 s
